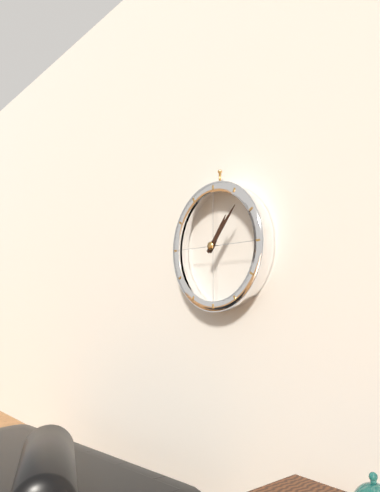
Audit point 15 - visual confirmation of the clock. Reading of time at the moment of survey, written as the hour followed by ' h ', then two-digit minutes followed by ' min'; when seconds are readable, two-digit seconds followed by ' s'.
1 h 07 min
